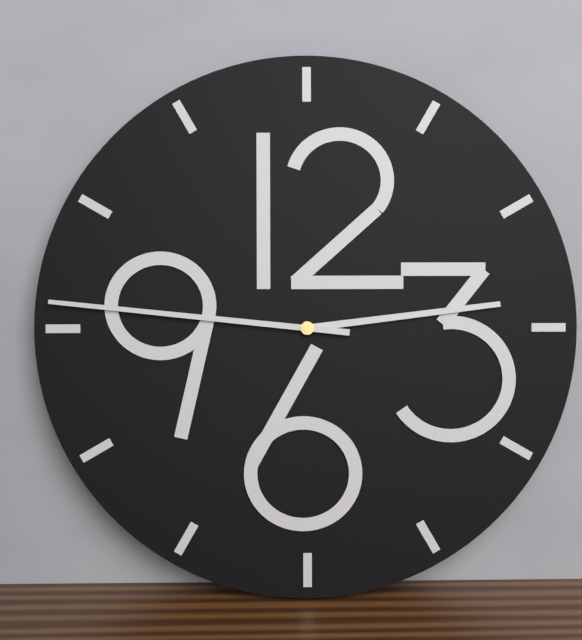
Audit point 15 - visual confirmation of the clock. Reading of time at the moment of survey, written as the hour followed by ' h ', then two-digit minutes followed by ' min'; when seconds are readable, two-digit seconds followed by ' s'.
2 h 46 min
